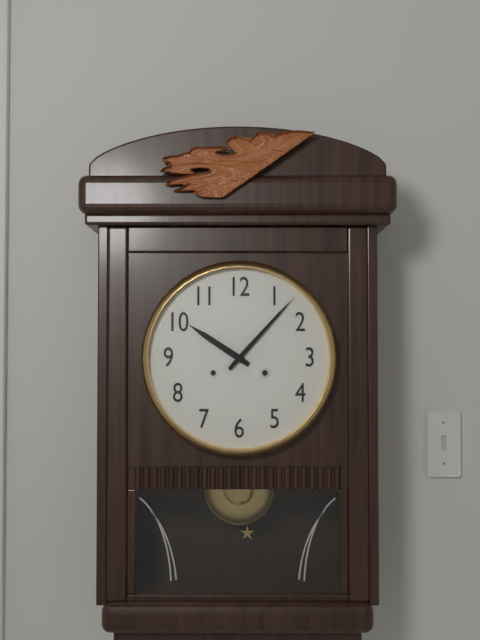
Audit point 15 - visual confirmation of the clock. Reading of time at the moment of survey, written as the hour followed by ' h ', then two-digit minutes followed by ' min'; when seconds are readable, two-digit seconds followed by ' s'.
10 h 07 min
